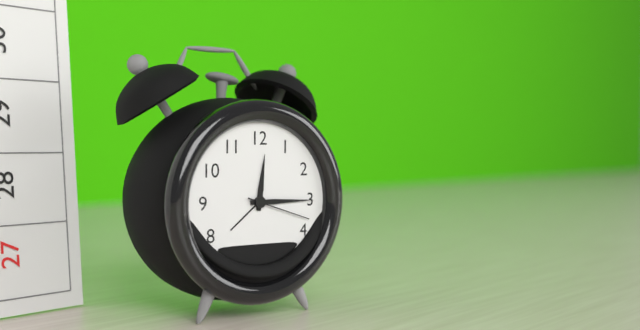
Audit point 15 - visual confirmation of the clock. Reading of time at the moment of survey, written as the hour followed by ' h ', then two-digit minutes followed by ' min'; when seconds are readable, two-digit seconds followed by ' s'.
12 h 15 min 18 s
